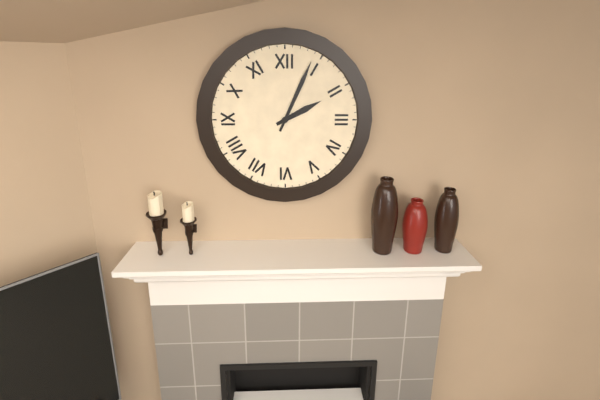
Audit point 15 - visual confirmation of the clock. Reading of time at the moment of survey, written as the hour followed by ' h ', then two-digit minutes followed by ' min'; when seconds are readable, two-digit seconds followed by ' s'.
2 h 04 min
